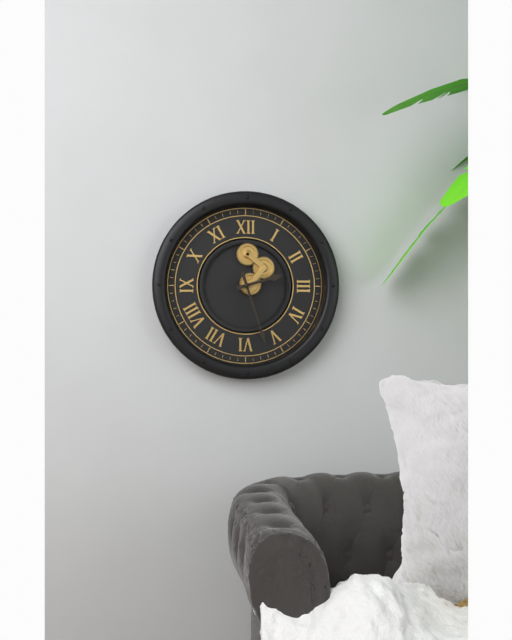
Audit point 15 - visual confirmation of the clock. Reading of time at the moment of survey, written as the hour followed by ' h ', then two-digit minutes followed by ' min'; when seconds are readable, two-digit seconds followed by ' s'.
2 h 27 min
